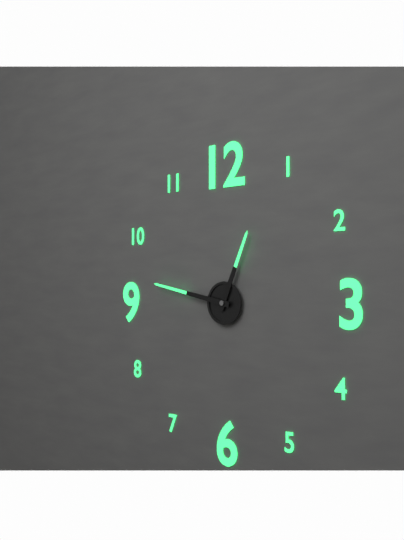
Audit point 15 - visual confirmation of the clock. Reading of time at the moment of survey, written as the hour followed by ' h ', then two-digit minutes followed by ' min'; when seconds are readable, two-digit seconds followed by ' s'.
12 h 47 min
